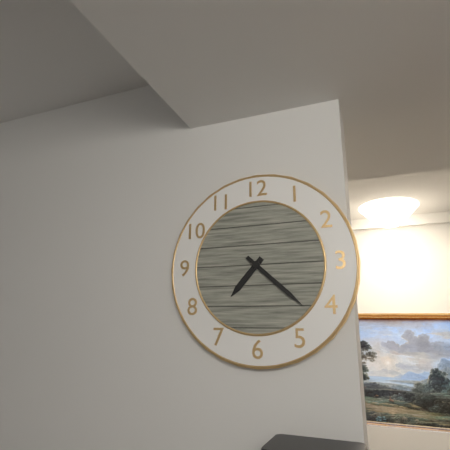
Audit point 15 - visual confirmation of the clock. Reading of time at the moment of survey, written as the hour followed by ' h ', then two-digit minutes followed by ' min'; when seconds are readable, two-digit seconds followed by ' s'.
7 h 22 min
